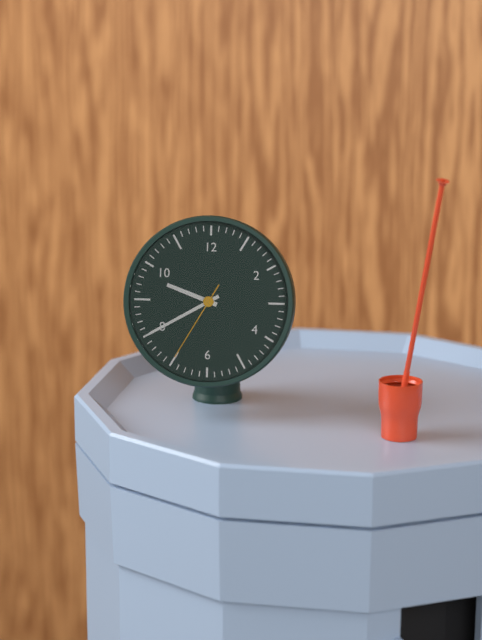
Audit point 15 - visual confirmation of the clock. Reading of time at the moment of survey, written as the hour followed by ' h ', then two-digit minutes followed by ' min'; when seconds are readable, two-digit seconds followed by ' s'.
9 h 40 min 35 s
